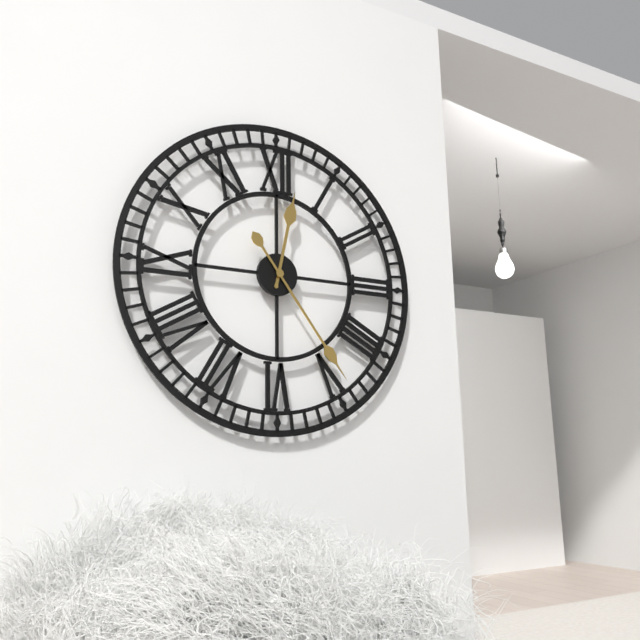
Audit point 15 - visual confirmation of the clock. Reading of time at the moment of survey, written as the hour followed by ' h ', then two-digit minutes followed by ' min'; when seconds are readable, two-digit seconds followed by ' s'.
12 h 24 min
